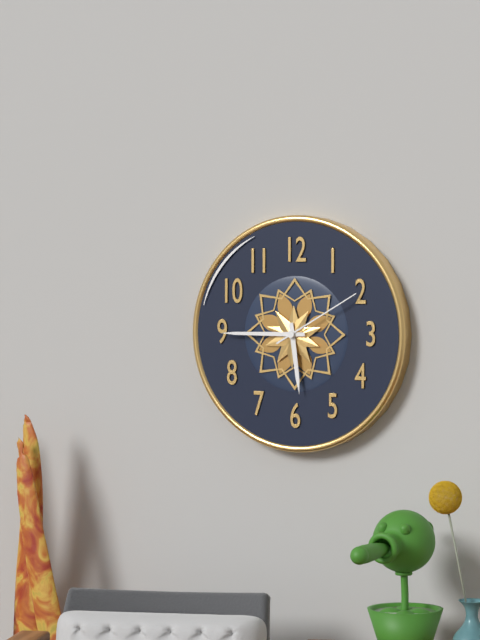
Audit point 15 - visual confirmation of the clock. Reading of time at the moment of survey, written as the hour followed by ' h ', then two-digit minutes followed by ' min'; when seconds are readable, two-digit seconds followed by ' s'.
5 h 45 min 10 s
